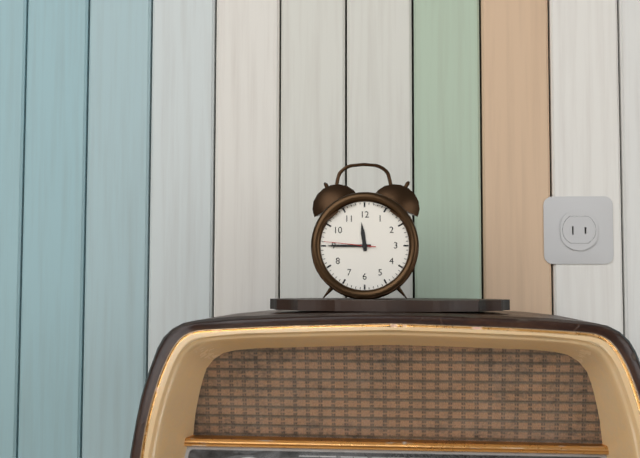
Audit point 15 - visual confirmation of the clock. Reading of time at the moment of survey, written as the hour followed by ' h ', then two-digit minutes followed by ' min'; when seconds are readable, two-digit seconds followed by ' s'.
11 h 45 min 46 s
